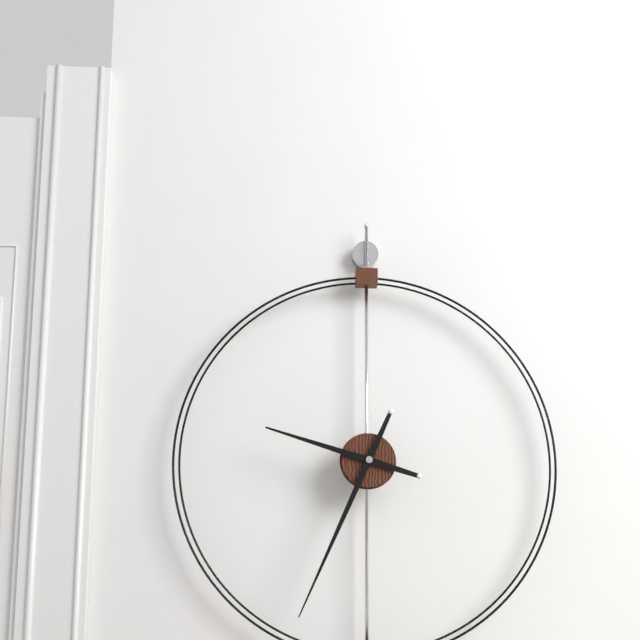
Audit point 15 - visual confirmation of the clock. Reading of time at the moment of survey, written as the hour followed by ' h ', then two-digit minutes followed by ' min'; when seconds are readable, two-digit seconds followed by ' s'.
9 h 34 min
